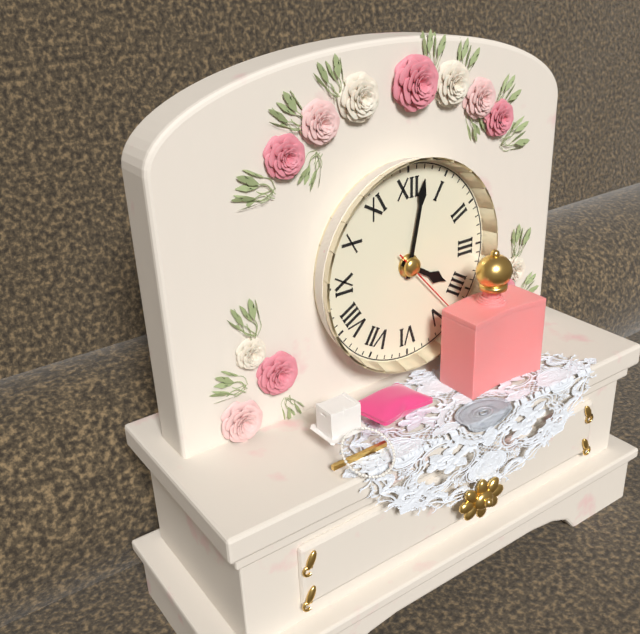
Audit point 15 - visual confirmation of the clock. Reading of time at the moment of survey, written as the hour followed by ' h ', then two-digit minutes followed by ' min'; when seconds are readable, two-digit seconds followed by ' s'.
4 h 02 min 23 s
